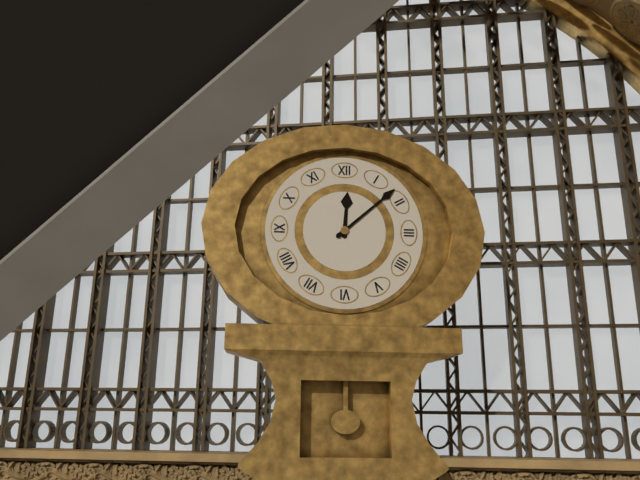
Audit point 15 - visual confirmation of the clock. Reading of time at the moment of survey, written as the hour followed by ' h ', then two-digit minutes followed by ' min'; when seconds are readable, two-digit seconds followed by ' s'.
12 h 08 min
